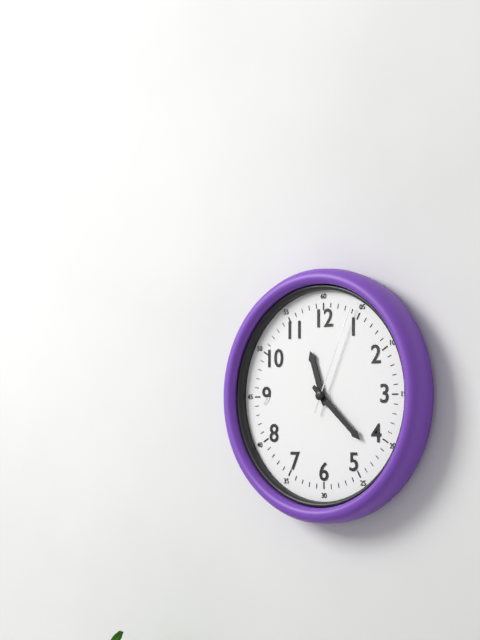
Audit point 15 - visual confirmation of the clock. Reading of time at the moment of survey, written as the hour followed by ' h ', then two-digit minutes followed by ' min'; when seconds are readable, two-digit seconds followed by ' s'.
11 h 22 min 04 s
